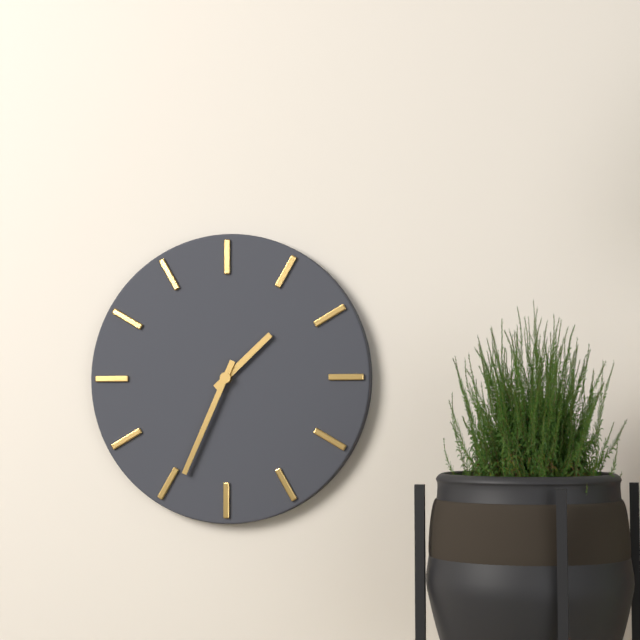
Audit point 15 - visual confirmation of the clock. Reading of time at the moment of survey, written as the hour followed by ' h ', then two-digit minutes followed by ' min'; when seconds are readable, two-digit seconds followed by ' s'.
1 h 34 min
